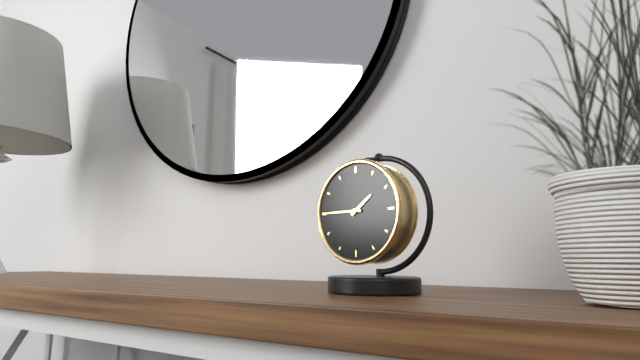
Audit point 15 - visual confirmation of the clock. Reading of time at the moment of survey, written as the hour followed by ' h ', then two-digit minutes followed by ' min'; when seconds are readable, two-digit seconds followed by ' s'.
1 h 45 min
